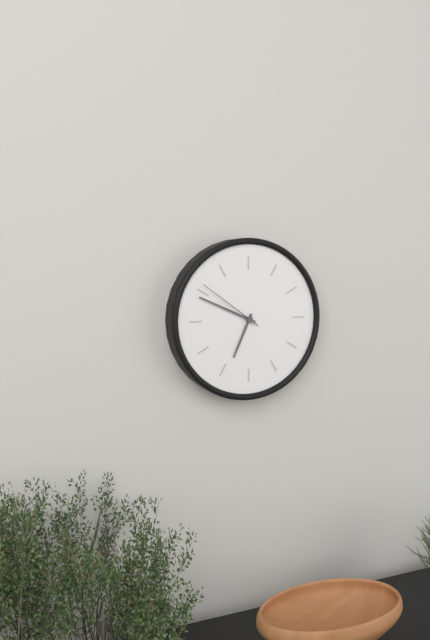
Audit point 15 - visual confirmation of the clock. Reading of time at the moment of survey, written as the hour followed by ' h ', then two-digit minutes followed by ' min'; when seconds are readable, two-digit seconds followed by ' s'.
6 h 49 min 51 s
